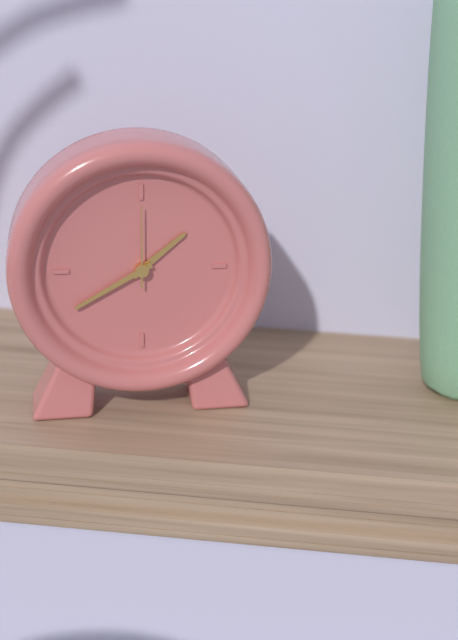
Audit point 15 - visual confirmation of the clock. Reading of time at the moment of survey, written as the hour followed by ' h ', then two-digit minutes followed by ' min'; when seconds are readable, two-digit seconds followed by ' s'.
1 h 40 min 00 s
